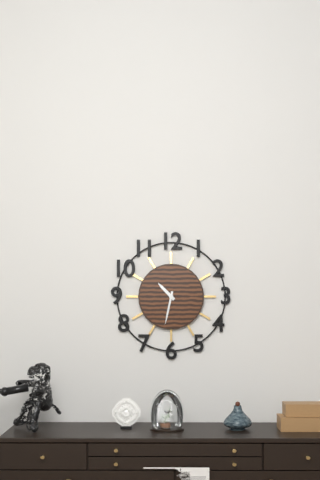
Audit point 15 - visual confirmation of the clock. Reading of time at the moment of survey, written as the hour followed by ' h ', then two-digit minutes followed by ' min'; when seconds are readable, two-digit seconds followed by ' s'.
10 h 32 min
